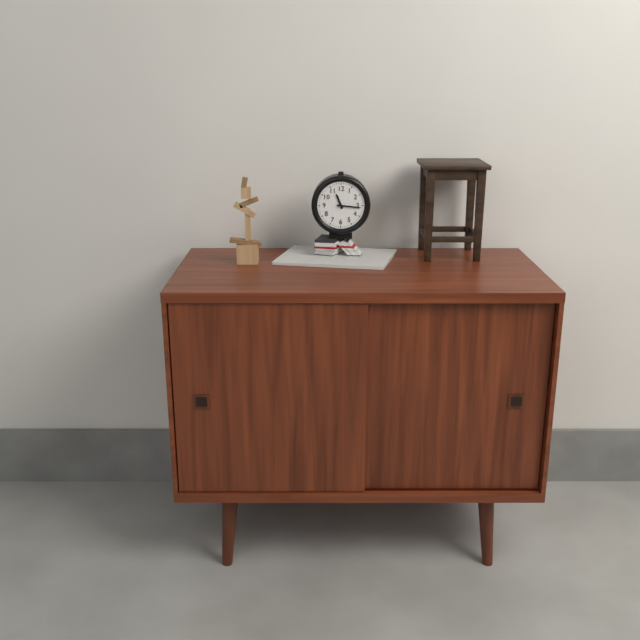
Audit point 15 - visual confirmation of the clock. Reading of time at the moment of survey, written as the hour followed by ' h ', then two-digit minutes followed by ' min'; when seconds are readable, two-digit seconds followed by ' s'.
11 h 16 min
